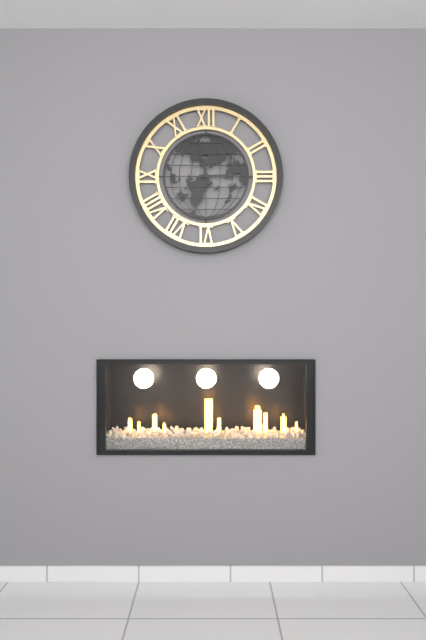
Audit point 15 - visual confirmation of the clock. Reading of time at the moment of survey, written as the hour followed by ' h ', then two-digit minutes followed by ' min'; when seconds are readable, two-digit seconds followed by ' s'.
2 h 58 min
